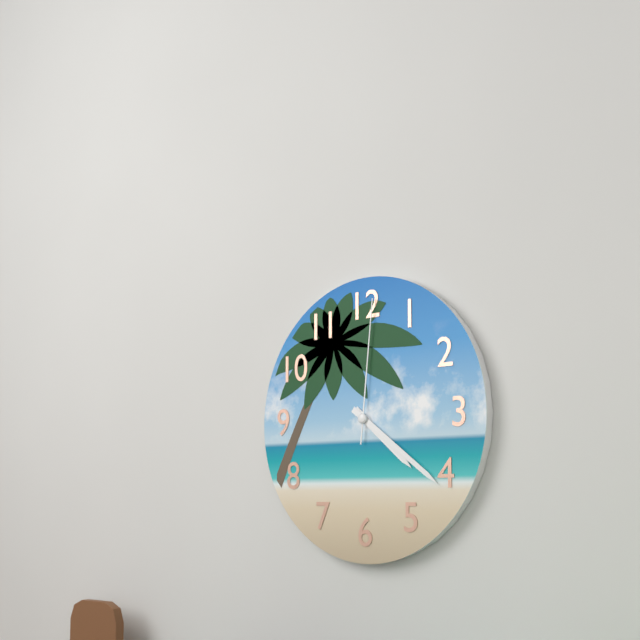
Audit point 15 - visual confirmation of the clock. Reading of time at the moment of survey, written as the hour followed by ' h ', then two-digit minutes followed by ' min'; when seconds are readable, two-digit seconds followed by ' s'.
4 h 21 min 01 s
